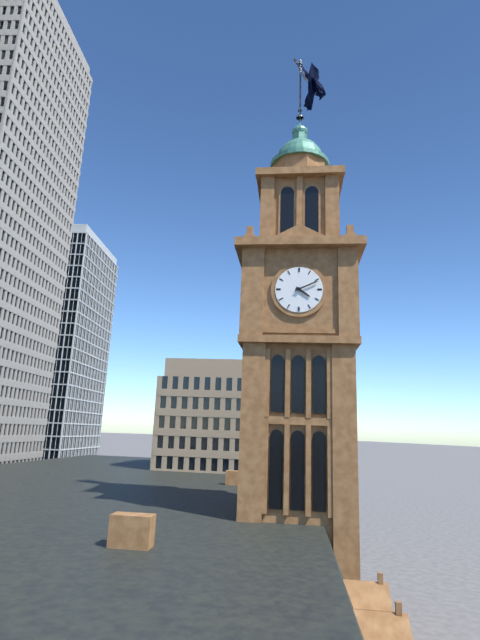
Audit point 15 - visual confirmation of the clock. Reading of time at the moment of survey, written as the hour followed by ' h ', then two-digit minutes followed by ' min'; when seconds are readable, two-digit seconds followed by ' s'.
4 h 11 min
